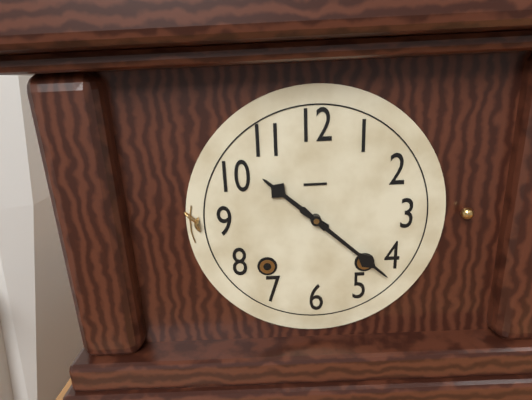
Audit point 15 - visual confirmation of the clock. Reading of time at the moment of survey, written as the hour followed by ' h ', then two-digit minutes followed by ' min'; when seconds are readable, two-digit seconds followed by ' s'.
10 h 22 min
